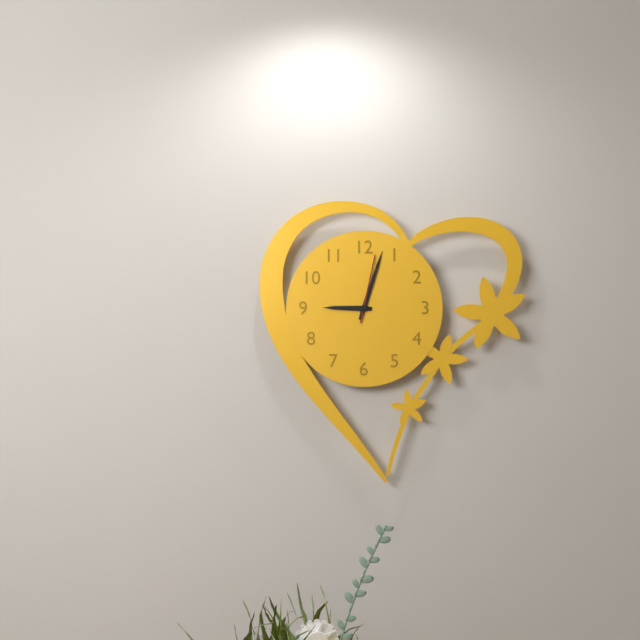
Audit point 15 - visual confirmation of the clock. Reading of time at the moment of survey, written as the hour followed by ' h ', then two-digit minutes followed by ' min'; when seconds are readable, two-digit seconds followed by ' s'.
9 h 03 min 02 s
